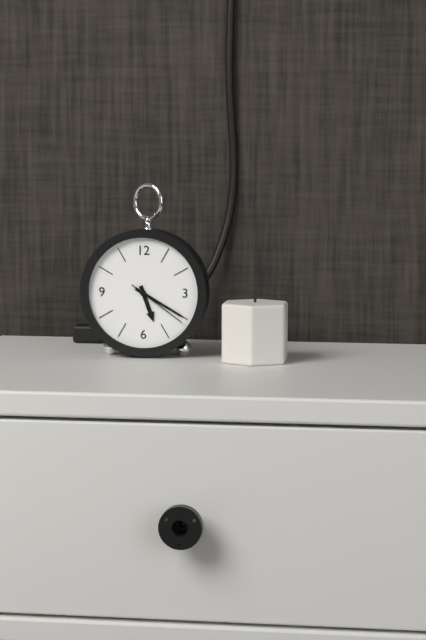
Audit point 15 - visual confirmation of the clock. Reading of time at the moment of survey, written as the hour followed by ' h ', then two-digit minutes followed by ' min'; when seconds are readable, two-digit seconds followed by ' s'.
5 h 20 min 21 s
